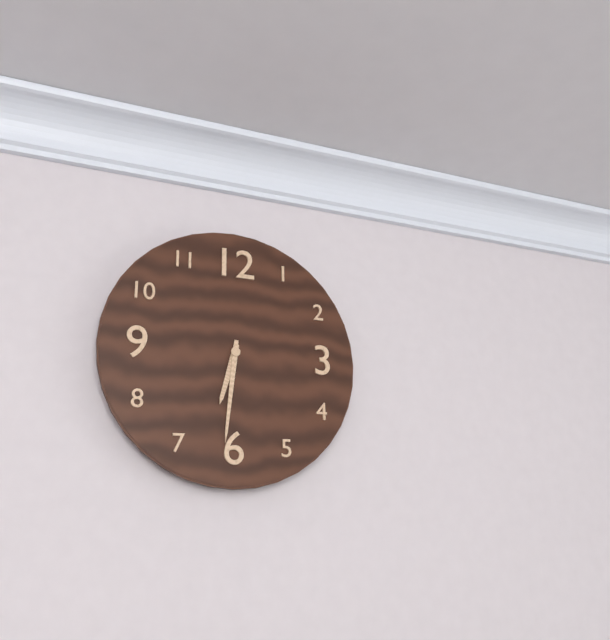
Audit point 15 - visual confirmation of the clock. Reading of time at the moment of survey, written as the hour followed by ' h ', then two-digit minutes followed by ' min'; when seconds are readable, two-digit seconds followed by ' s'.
6 h 31 min
